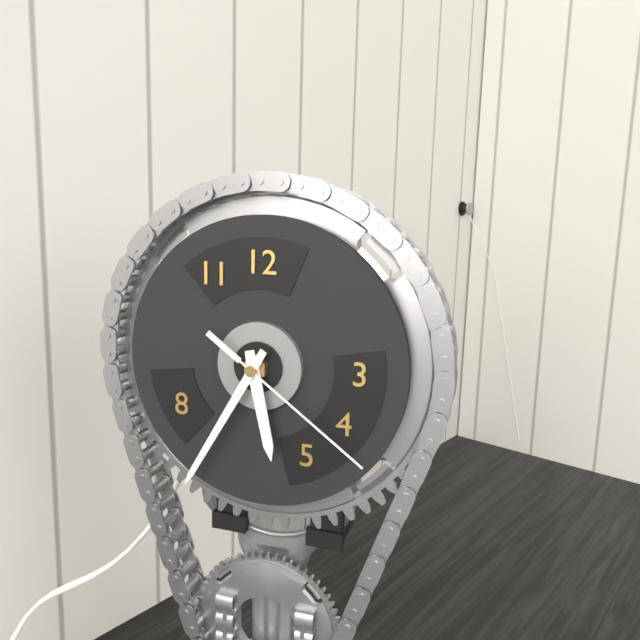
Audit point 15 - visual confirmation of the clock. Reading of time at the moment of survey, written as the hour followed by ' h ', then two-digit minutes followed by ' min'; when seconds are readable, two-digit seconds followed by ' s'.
5 h 35 min 21 s
